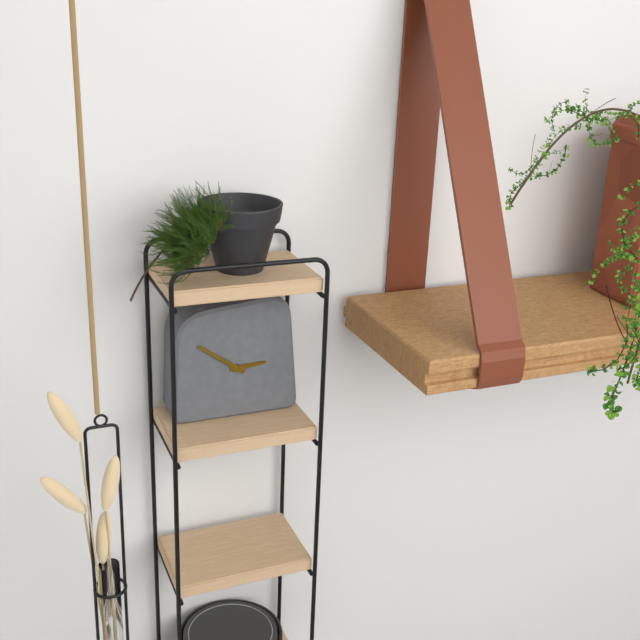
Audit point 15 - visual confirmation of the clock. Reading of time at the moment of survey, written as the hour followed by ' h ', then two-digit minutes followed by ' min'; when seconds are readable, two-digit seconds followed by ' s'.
2 h 51 min
